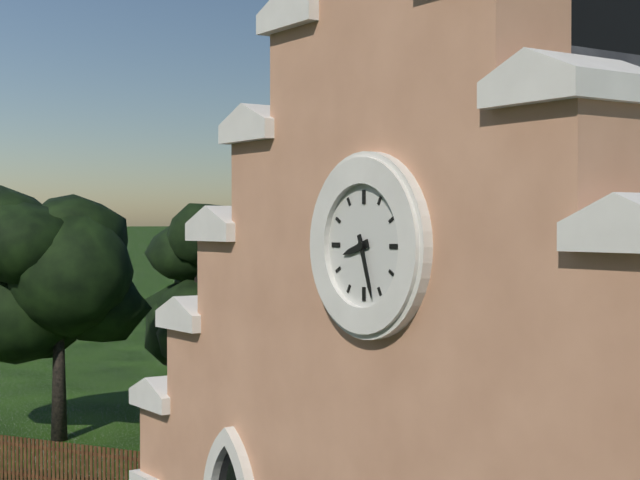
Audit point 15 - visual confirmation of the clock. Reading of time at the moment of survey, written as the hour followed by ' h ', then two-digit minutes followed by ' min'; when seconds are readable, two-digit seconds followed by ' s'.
8 h 27 min
